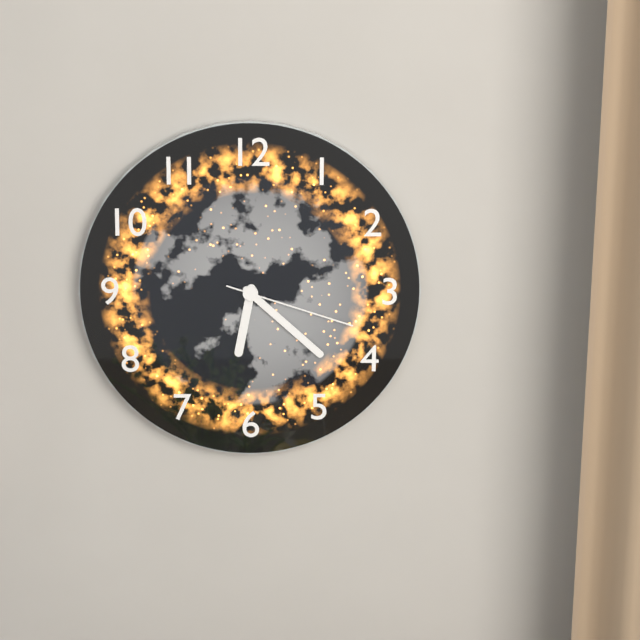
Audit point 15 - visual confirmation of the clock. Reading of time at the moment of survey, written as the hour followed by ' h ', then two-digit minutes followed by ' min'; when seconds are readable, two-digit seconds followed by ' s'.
6 h 22 min 18 s
